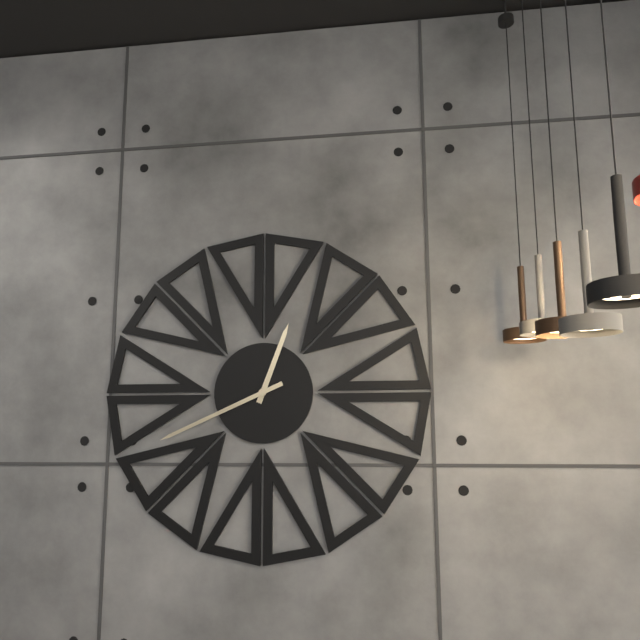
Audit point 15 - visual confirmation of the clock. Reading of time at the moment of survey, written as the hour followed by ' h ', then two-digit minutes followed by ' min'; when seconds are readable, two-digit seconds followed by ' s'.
12 h 41 min
